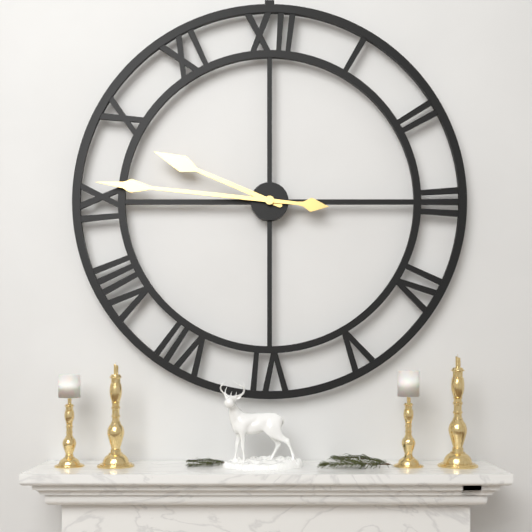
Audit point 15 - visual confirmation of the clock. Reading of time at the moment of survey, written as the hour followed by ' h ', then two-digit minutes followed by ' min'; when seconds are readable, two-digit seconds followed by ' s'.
9 h 46 min
